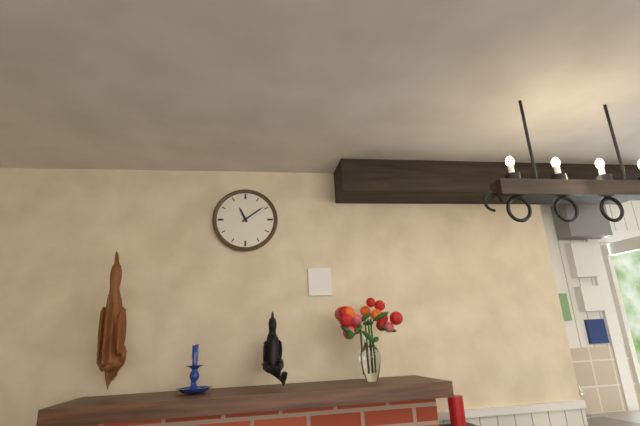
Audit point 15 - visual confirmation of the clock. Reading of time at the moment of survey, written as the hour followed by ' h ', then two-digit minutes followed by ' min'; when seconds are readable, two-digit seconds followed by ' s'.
11 h 09 min
